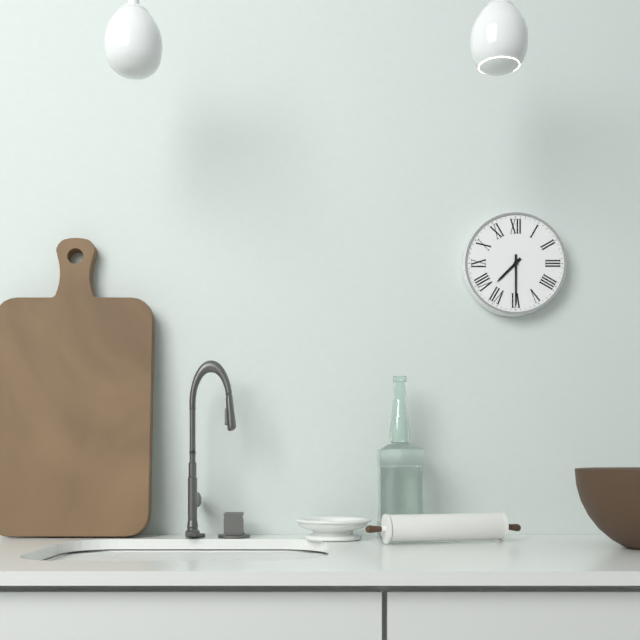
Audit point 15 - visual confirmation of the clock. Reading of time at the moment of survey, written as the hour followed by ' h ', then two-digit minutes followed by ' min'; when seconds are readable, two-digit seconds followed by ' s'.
7 h 30 min
